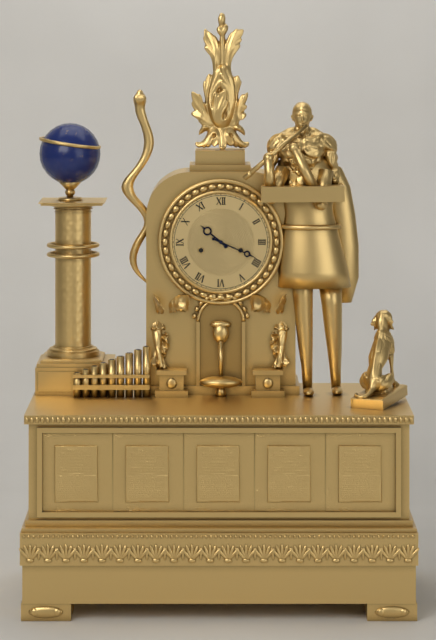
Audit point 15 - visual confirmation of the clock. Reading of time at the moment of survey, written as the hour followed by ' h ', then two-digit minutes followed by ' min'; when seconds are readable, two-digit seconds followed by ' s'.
10 h 19 min
